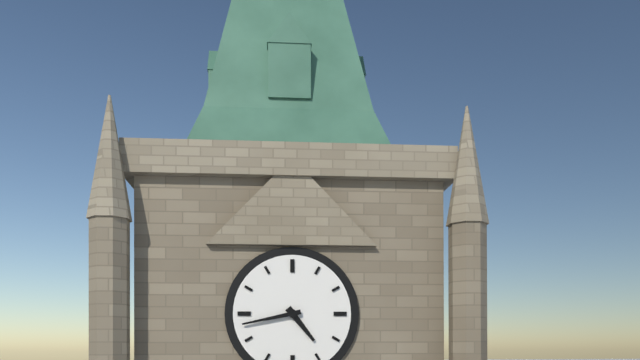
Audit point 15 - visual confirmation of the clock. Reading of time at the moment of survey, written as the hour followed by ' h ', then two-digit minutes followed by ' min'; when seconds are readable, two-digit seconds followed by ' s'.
4 h 43 min
